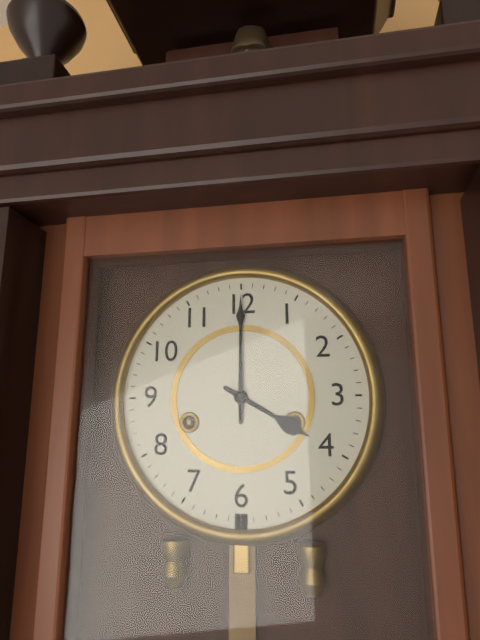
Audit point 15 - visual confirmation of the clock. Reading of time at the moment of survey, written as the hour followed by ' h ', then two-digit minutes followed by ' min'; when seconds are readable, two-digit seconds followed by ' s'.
4 h 00 min
